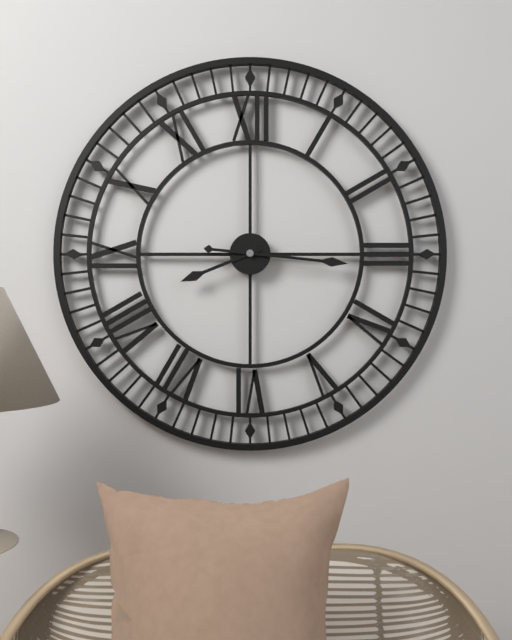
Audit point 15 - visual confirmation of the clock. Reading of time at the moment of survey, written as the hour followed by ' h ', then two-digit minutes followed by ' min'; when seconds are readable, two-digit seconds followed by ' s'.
8 h 16 min
